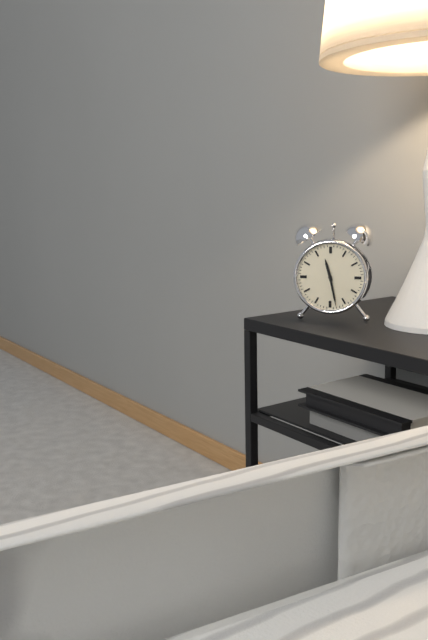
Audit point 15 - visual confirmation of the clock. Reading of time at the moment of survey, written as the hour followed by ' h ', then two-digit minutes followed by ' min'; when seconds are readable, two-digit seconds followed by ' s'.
11 h 28 min
